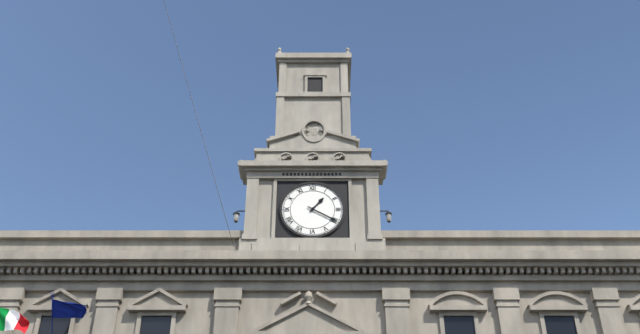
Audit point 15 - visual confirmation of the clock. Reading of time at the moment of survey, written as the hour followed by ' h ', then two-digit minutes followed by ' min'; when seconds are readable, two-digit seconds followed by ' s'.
1 h 20 min
